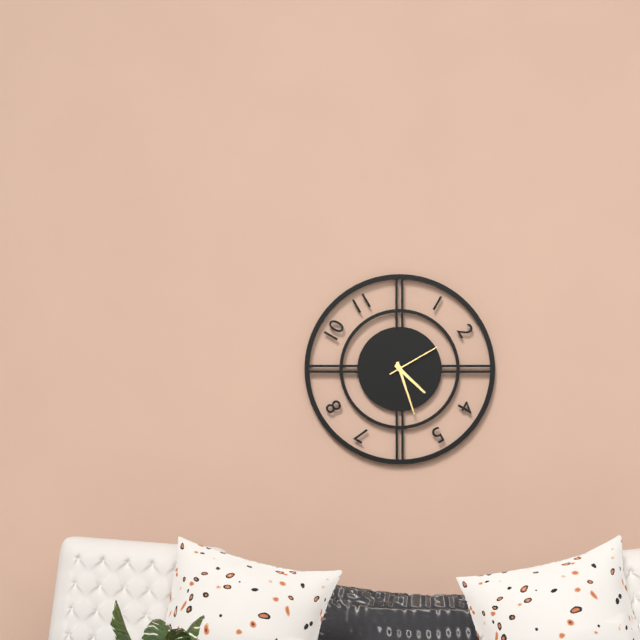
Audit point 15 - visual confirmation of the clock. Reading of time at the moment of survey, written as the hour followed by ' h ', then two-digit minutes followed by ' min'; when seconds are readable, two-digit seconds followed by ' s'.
4 h 27 min 10 s
